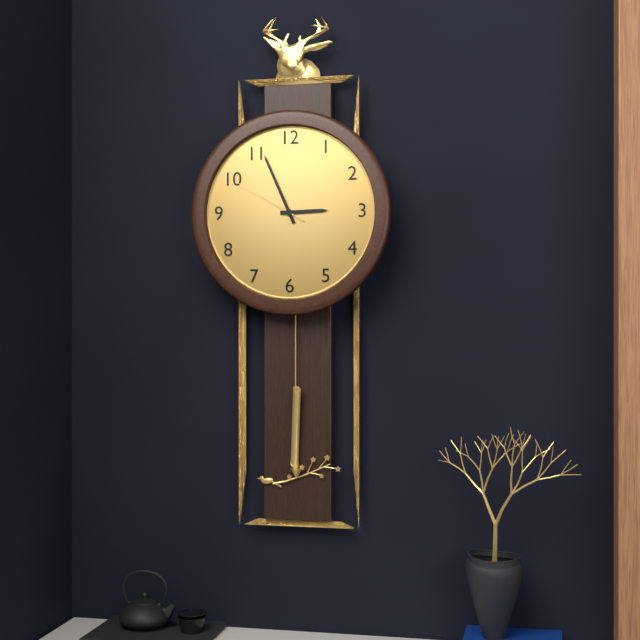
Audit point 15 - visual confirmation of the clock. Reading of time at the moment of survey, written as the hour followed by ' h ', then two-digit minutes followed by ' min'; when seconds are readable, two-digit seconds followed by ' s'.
2 h 56 min 50 s
